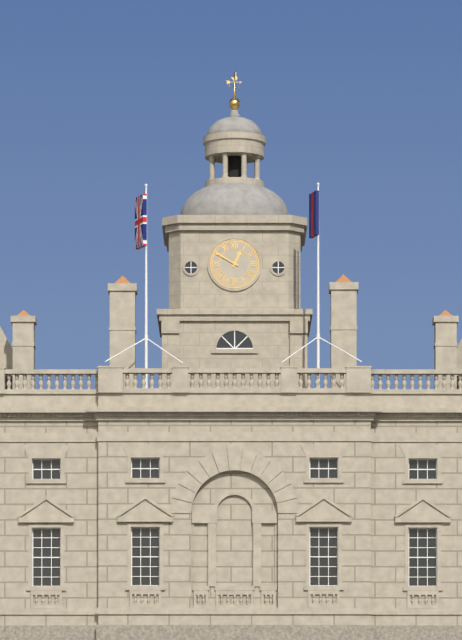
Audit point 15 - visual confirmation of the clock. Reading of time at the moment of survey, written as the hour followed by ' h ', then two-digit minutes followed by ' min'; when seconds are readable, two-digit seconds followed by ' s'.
12 h 50 min
